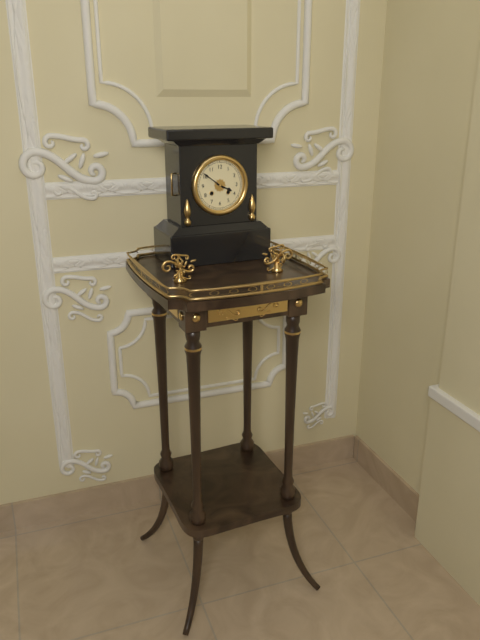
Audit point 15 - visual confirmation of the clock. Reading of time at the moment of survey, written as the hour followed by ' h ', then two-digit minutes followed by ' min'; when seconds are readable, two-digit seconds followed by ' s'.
3 h 51 min
